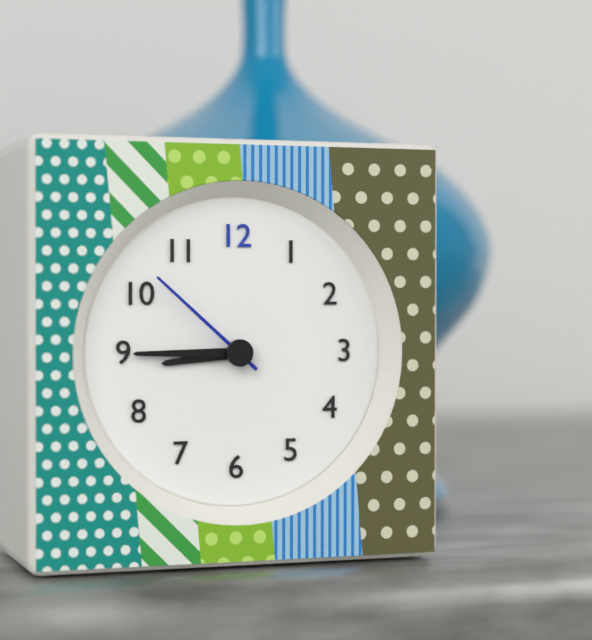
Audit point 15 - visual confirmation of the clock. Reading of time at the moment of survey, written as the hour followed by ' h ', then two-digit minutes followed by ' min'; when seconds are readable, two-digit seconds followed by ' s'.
8 h 45 min 52 s
